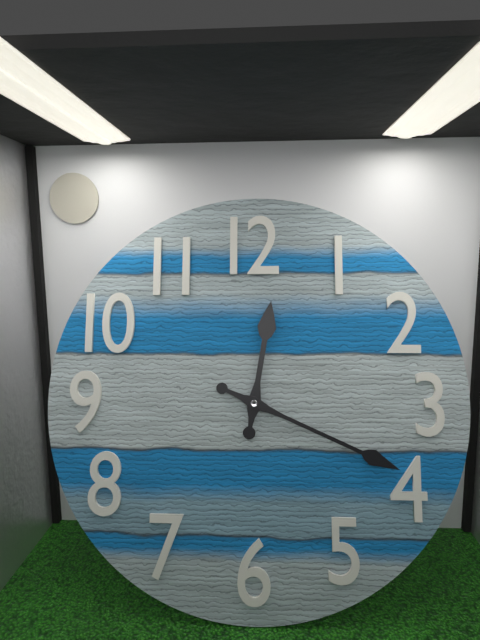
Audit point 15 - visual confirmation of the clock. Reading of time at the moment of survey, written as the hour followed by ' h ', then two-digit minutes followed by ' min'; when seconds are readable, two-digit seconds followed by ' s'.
12 h 19 min
